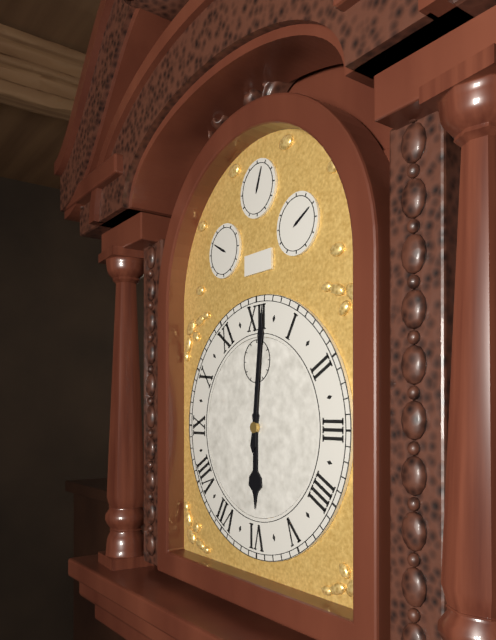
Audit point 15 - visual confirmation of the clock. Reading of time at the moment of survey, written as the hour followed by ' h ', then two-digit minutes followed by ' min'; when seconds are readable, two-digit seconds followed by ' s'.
6 h 01 min
